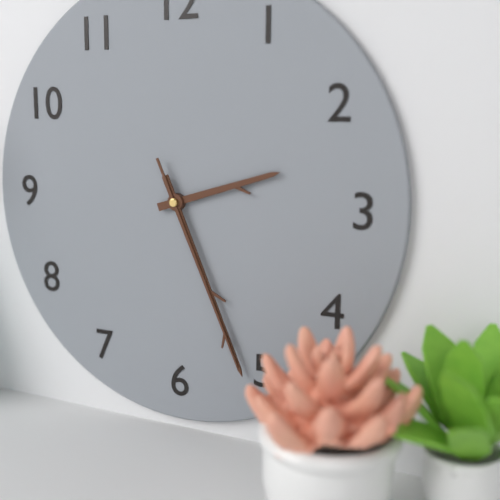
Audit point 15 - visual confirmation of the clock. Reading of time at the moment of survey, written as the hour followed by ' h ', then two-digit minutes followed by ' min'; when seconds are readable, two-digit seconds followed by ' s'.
2 h 26 min 26 s
